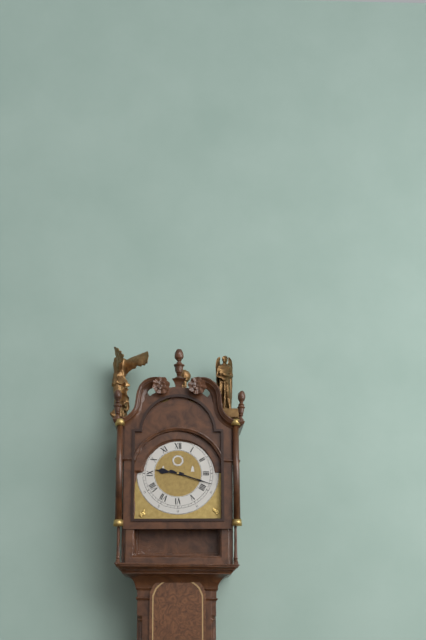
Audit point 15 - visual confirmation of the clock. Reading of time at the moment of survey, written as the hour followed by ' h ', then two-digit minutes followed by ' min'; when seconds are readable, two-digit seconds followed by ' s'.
9 h 18 min
